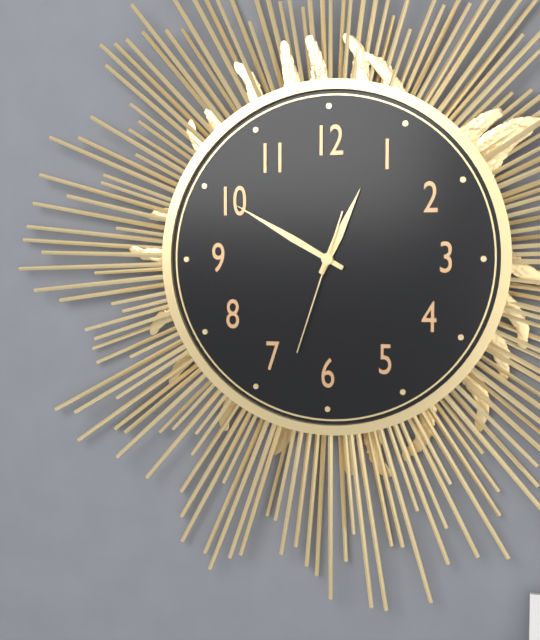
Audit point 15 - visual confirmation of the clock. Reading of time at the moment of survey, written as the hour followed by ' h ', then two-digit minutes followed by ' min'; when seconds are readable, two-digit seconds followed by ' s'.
12 h 50 min 33 s
